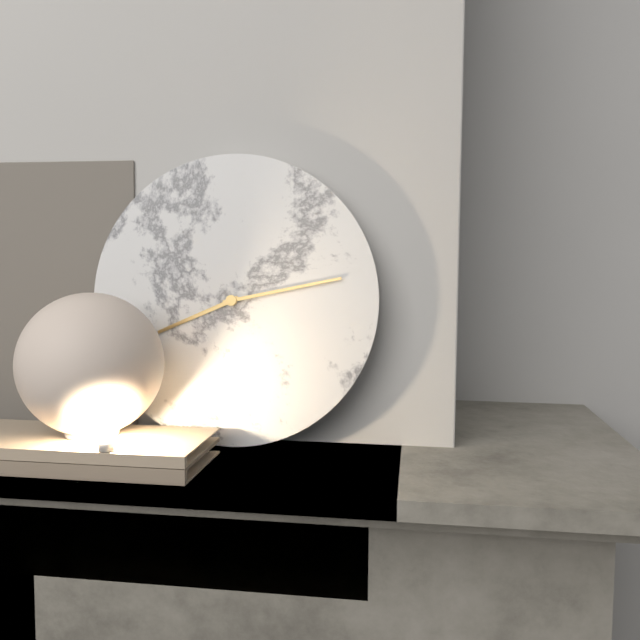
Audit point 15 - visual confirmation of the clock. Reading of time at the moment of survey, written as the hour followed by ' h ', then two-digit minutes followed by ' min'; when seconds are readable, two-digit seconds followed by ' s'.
8 h 13 min
